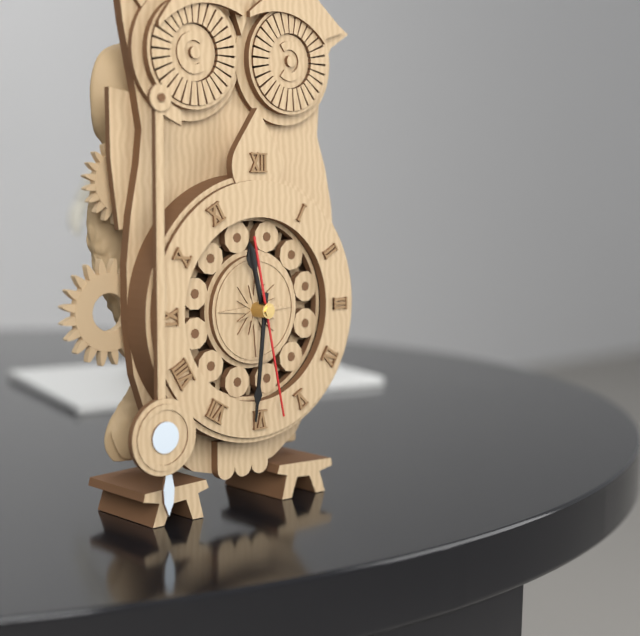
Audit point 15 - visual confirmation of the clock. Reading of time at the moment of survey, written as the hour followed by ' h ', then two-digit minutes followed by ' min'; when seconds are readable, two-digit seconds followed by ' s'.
11 h 31 min 28 s
